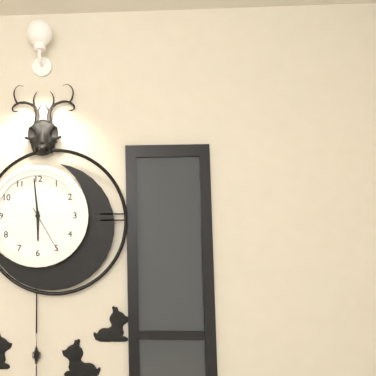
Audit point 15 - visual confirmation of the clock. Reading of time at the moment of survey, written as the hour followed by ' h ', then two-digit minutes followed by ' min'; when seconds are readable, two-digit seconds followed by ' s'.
5 h 59 min 25 s
